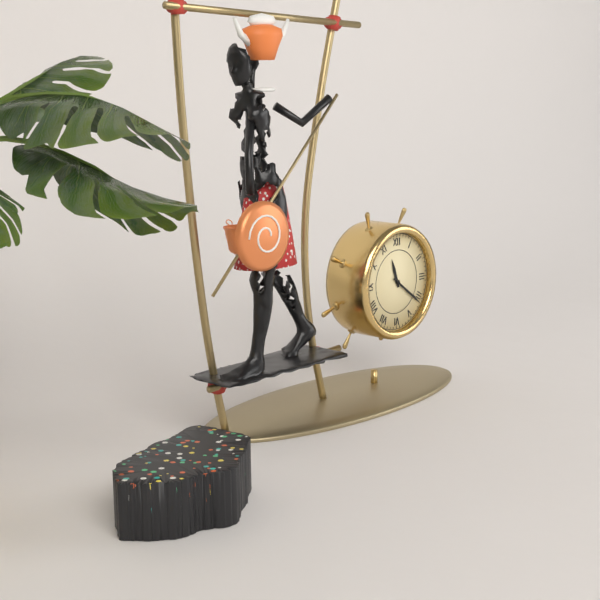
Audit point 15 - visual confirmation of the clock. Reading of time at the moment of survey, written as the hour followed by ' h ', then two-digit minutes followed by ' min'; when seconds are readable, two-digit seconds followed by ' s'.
11 h 21 min
